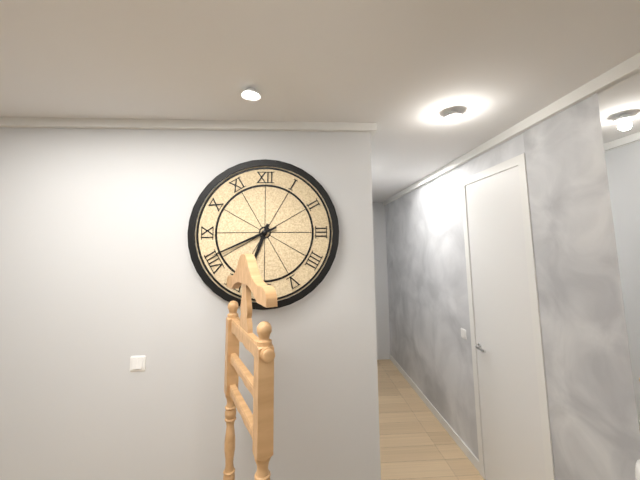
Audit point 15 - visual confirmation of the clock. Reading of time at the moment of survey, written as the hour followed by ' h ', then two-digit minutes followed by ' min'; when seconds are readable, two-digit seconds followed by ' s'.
6 h 41 min
